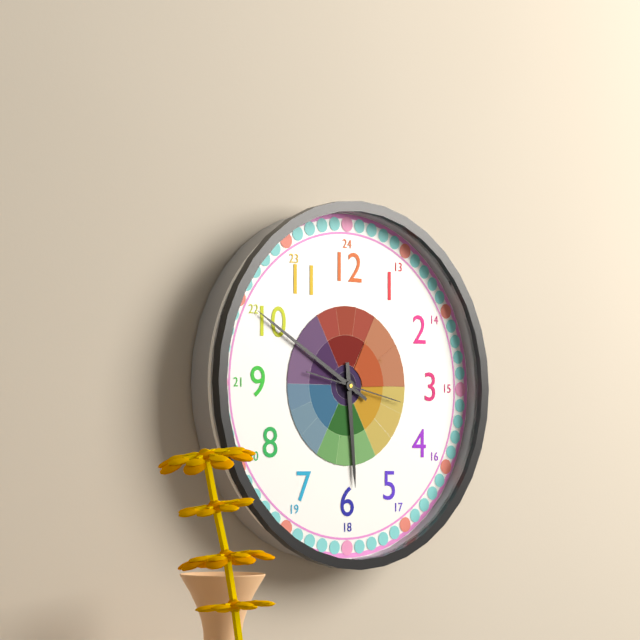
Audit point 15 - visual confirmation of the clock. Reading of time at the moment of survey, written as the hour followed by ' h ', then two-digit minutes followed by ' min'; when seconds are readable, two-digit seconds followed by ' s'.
5 h 50 min 17 s
